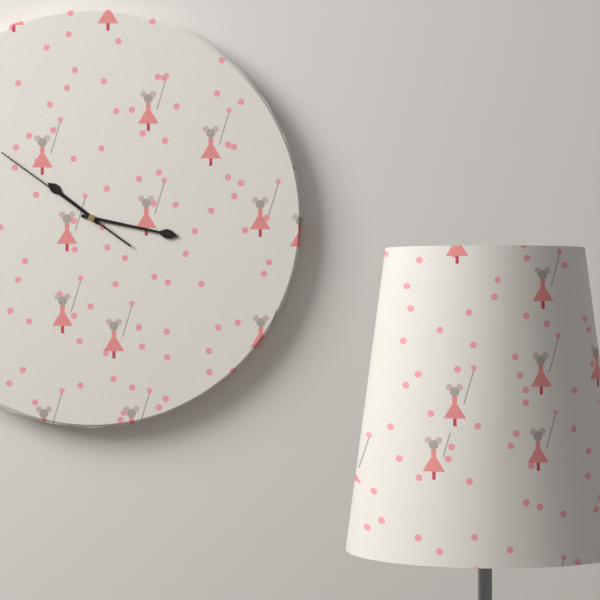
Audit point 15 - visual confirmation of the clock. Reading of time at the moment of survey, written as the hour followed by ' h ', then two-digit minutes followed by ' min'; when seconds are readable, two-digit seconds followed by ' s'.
10 h 17 min 51 s
